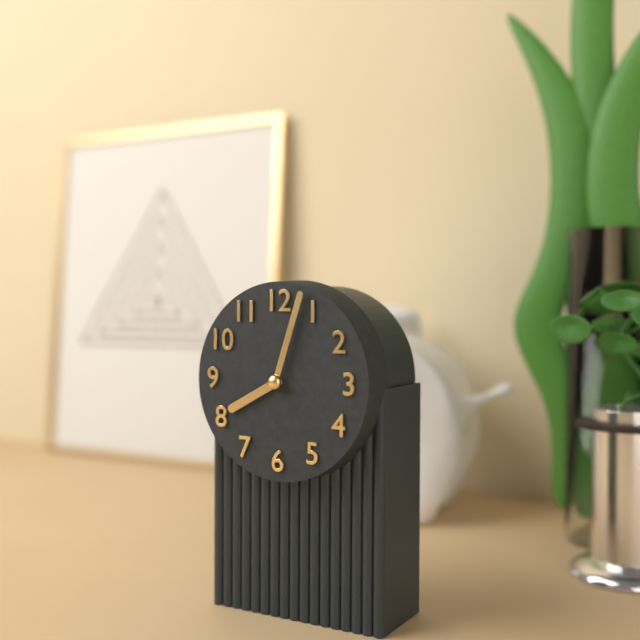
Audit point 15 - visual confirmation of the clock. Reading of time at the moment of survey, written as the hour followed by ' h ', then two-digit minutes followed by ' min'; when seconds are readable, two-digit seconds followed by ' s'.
8 h 03 min
